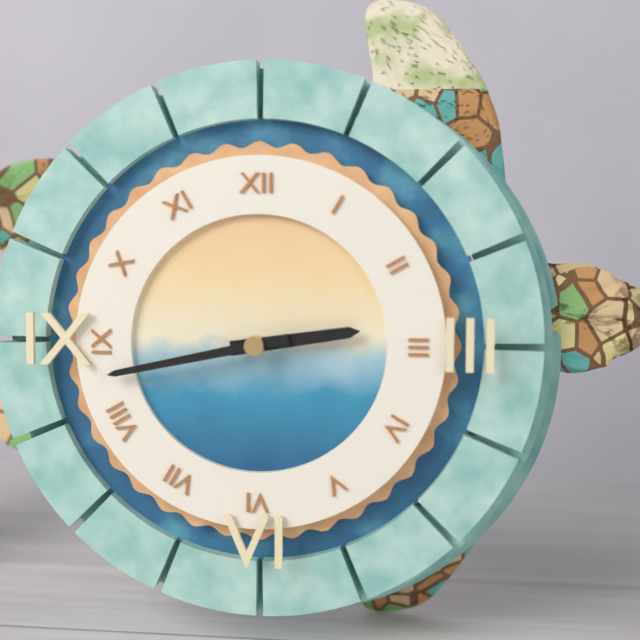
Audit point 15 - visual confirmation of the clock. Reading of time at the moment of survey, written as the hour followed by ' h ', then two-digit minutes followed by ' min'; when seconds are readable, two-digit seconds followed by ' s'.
2 h 43 min
